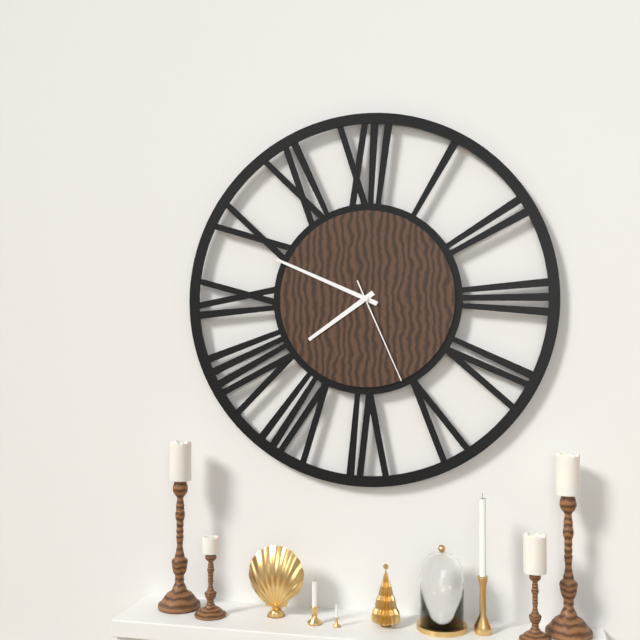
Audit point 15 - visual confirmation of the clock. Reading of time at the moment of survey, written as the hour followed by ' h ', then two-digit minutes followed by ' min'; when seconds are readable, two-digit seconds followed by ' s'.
7 h 49 min 26 s
